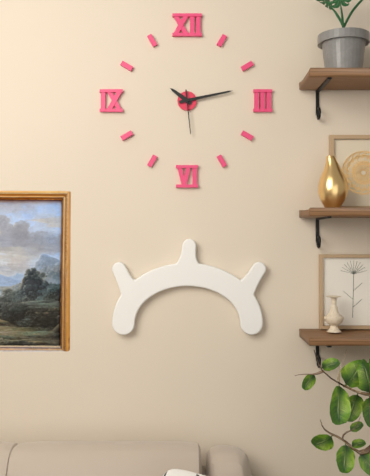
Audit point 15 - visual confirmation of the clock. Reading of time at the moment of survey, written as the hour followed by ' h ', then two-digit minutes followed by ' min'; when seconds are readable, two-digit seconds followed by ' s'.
10 h 13 min
